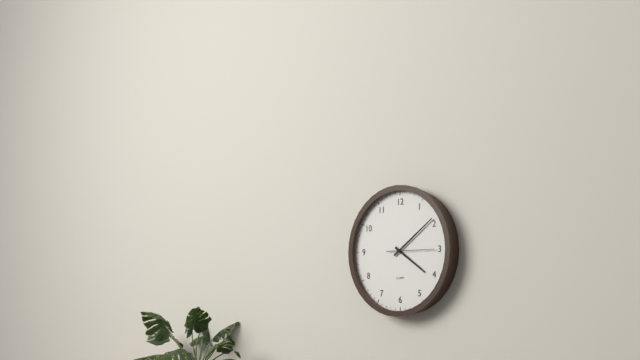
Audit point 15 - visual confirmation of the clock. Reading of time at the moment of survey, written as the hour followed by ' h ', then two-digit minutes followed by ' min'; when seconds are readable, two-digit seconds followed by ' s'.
4 h 09 min
